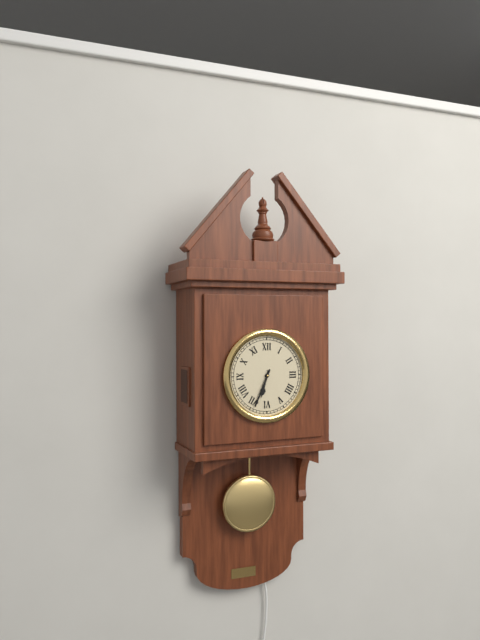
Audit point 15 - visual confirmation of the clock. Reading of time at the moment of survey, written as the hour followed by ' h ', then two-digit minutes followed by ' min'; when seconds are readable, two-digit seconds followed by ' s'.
6 h 34 min
